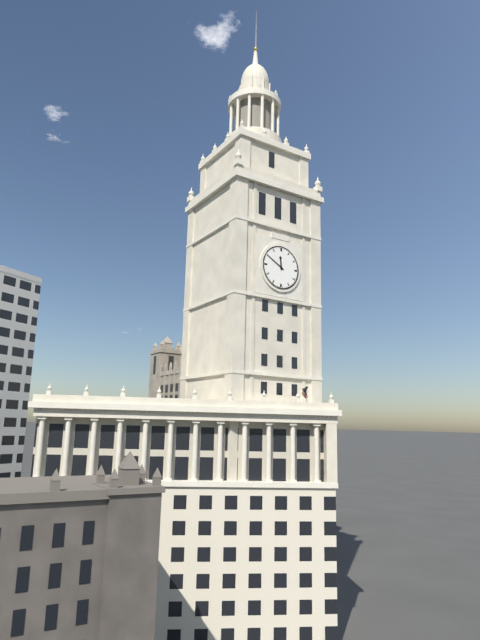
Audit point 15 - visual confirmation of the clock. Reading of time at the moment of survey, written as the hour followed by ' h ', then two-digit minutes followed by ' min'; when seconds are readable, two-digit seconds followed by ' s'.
11 h 50 min
